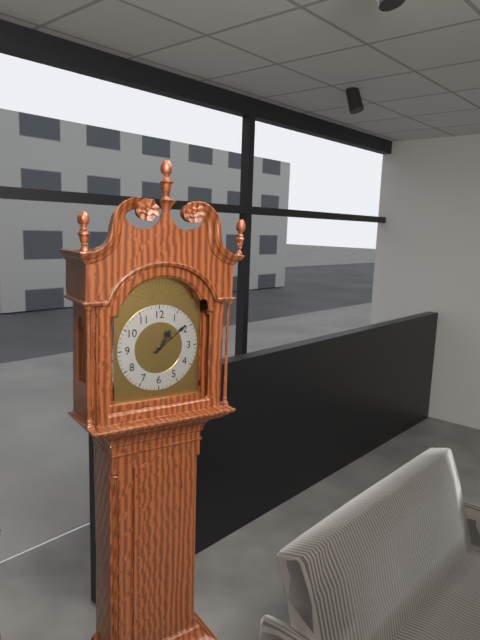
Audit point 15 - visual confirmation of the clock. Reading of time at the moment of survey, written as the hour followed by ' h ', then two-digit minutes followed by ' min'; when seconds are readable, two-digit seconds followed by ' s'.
1 h 09 min
